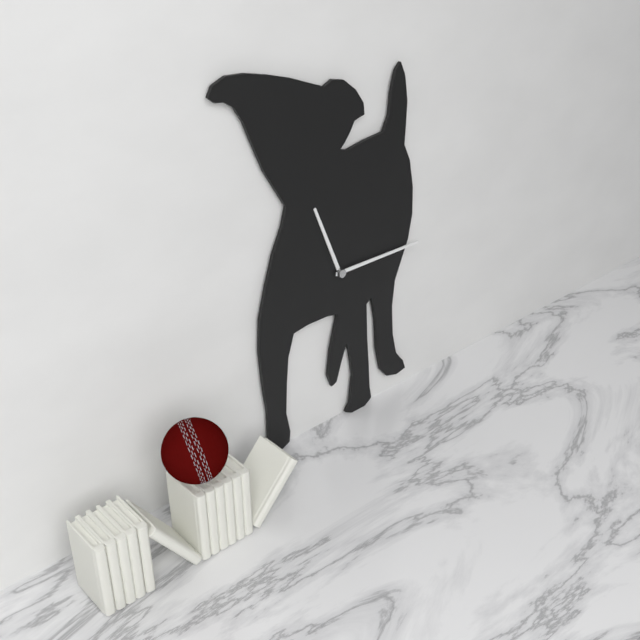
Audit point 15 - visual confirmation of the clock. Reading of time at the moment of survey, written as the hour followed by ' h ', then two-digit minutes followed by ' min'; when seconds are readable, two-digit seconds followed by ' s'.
11 h 15 min
